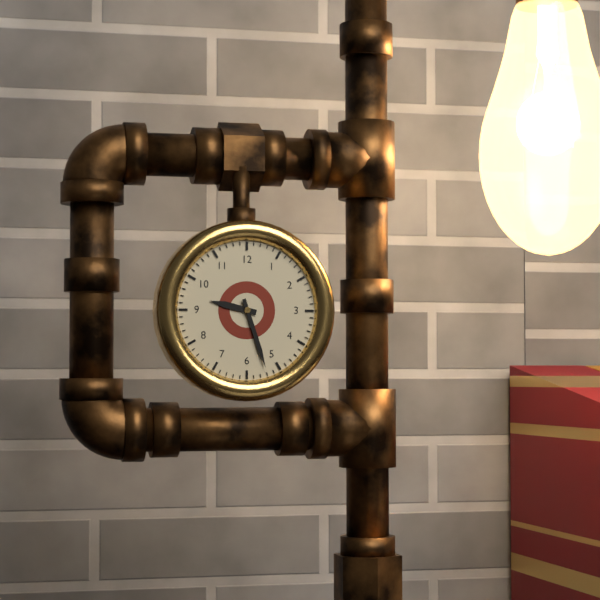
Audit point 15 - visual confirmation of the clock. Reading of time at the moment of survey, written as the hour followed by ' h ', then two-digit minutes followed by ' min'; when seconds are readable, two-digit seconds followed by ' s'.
9 h 27 min
